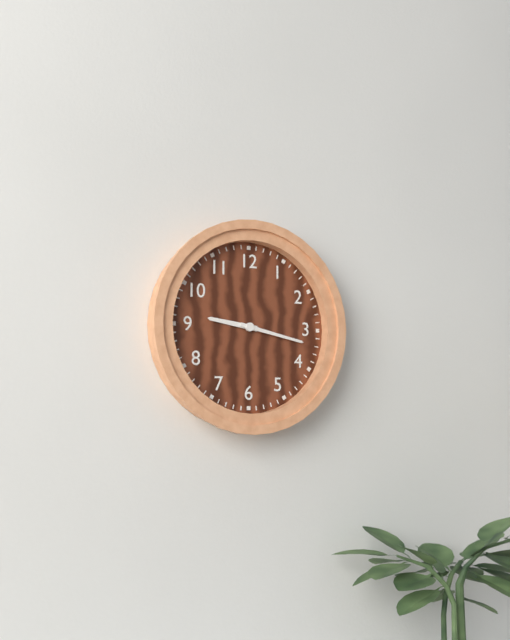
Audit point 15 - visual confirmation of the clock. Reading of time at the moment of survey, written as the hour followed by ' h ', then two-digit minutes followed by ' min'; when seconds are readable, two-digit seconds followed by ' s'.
9 h 17 min
